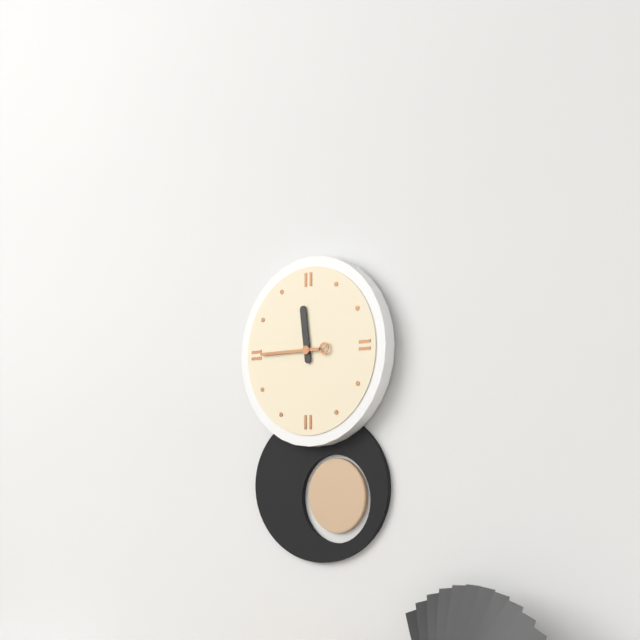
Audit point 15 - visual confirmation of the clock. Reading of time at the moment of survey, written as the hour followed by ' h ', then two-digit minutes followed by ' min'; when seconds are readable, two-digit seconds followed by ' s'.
11 h 45 min
